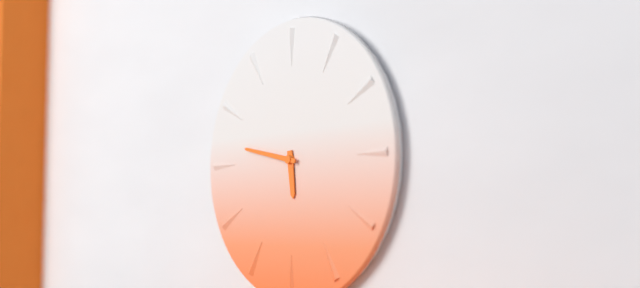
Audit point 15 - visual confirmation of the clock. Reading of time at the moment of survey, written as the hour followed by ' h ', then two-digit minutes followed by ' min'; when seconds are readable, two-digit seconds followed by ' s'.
5 h 47 min
